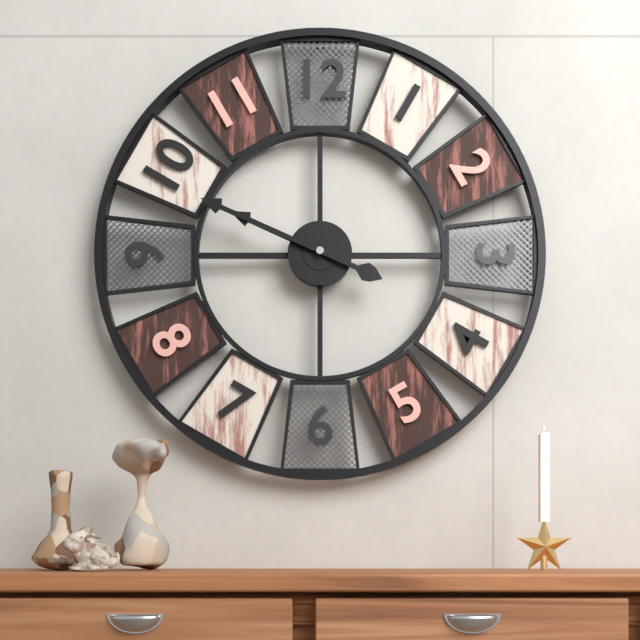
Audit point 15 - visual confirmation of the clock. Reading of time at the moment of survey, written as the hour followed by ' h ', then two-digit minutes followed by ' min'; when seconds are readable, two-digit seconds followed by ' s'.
9 h 49 min
